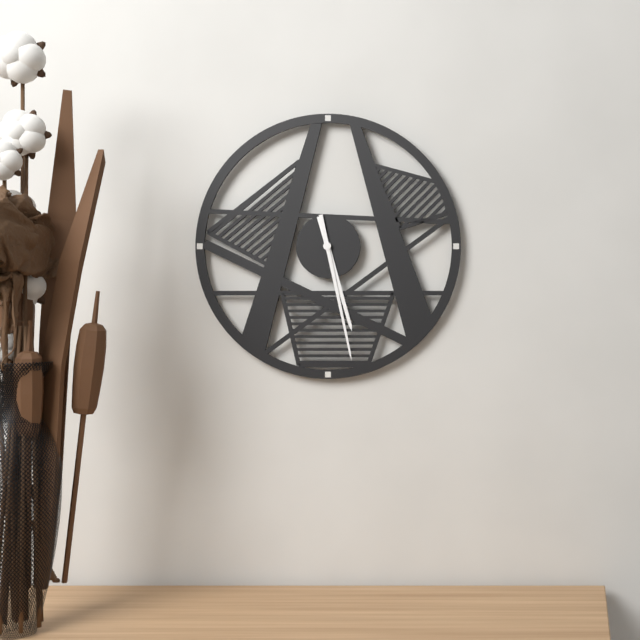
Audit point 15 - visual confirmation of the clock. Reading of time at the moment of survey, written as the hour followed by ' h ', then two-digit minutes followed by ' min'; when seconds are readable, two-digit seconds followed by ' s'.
5 h 28 min
